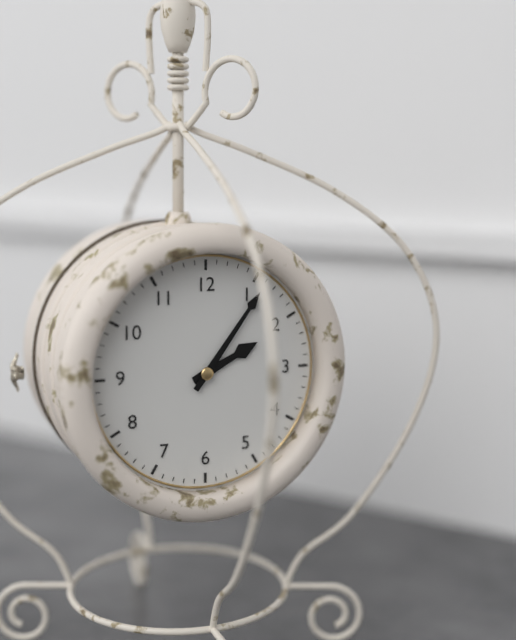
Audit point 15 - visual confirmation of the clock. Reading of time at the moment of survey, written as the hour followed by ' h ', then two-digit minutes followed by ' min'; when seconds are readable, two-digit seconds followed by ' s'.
2 h 06 min
